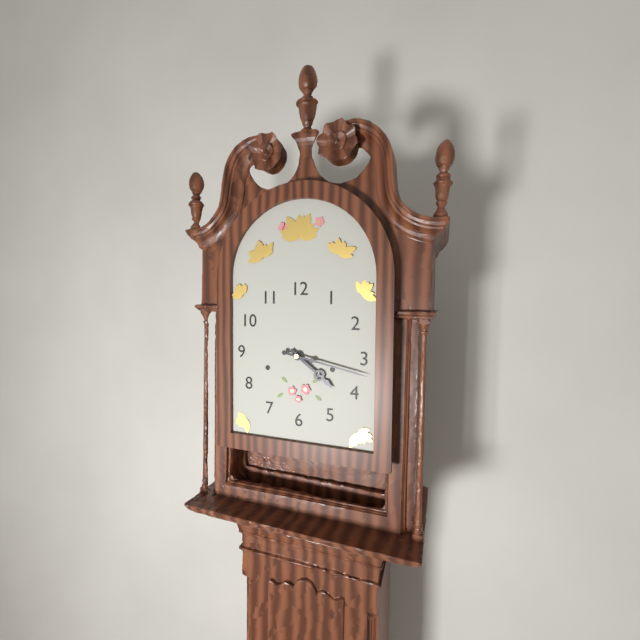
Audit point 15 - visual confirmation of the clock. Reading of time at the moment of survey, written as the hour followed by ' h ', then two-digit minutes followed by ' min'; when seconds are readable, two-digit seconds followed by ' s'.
4 h 17 min
